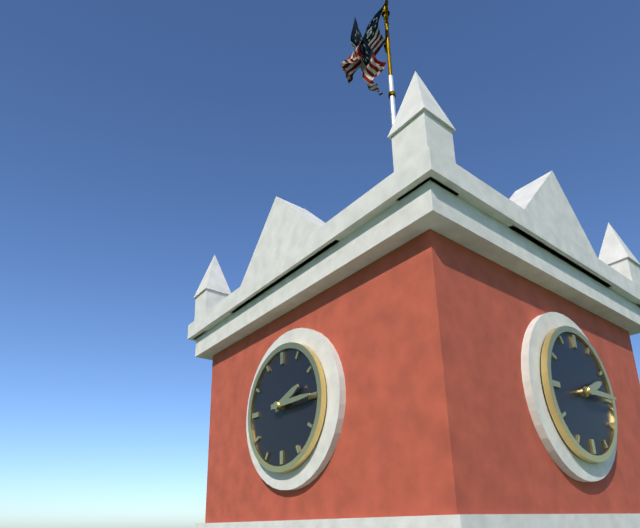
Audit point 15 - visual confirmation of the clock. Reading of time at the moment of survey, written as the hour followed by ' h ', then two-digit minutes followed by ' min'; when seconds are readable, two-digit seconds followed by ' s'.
2 h 15 min
